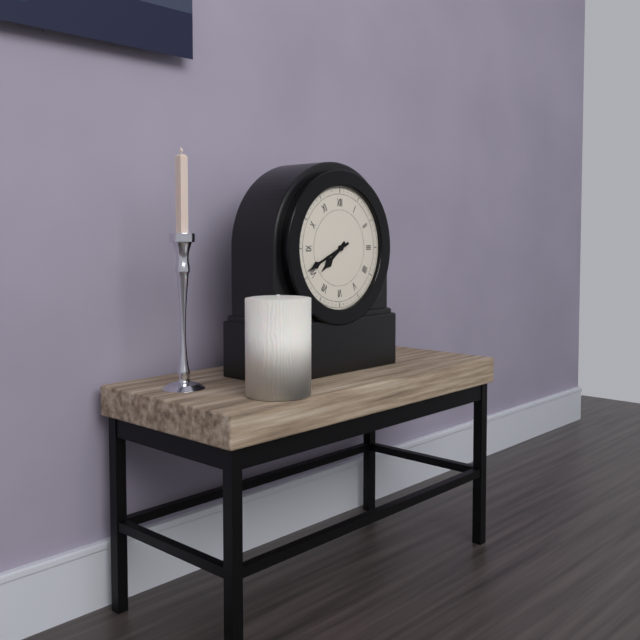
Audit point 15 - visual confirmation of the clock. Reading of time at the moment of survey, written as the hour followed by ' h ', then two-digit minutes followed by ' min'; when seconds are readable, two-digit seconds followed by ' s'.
7 h 41 min
